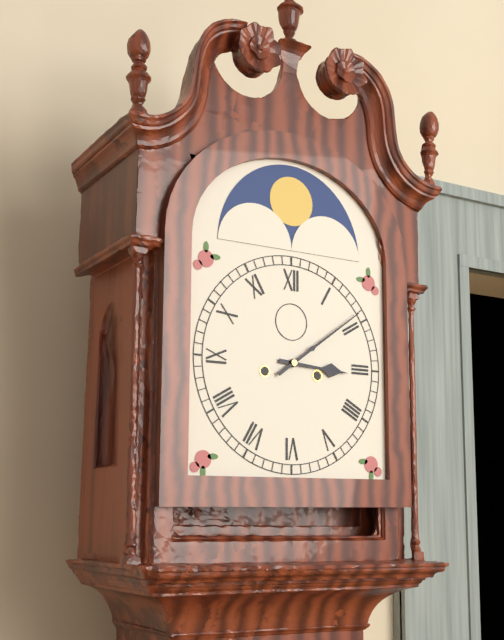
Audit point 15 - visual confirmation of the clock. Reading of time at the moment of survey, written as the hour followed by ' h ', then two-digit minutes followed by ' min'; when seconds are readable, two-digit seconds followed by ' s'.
3 h 09 min
